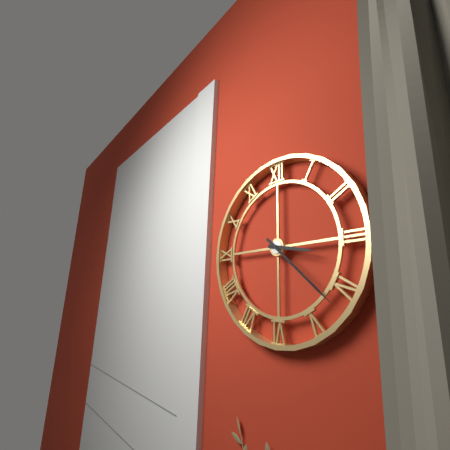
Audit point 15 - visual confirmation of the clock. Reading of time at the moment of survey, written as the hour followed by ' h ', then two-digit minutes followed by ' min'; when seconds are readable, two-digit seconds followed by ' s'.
3 h 22 min
